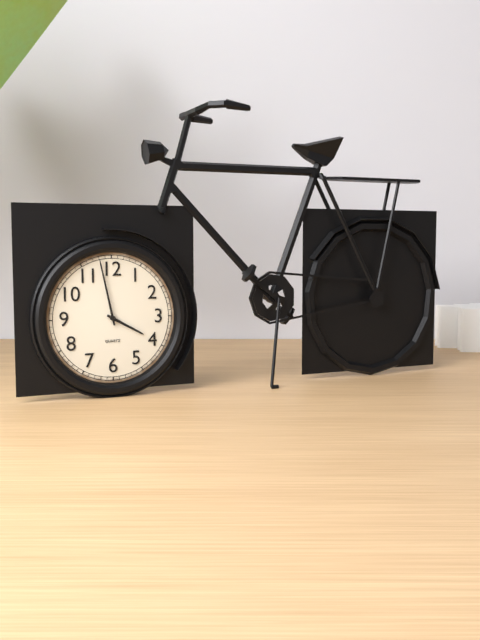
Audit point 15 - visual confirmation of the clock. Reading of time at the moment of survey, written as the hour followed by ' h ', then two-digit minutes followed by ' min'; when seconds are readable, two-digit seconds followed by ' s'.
3 h 58 min
